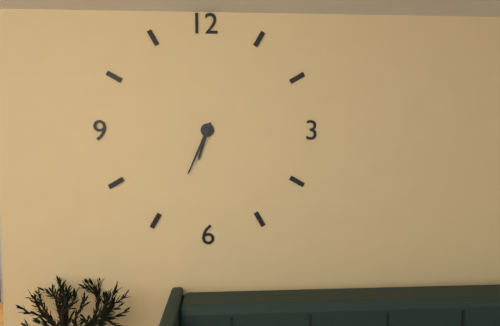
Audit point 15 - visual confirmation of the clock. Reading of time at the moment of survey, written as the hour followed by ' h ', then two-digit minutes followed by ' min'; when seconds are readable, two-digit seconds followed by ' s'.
6 h 34 min
